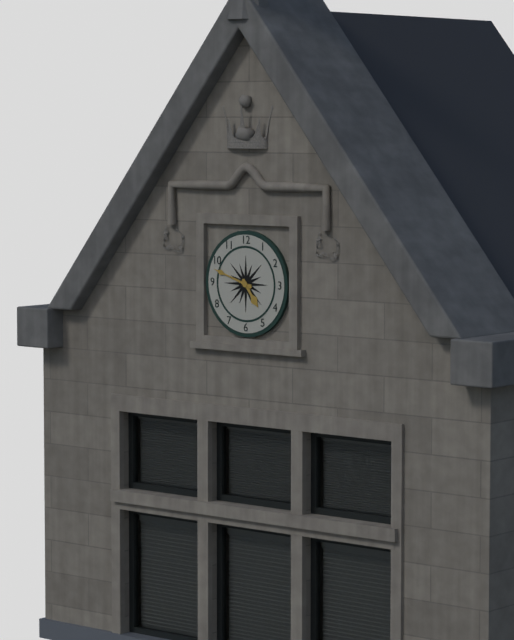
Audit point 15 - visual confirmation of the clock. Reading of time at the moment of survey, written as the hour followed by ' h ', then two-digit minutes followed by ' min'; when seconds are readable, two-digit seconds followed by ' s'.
4 h 48 min
